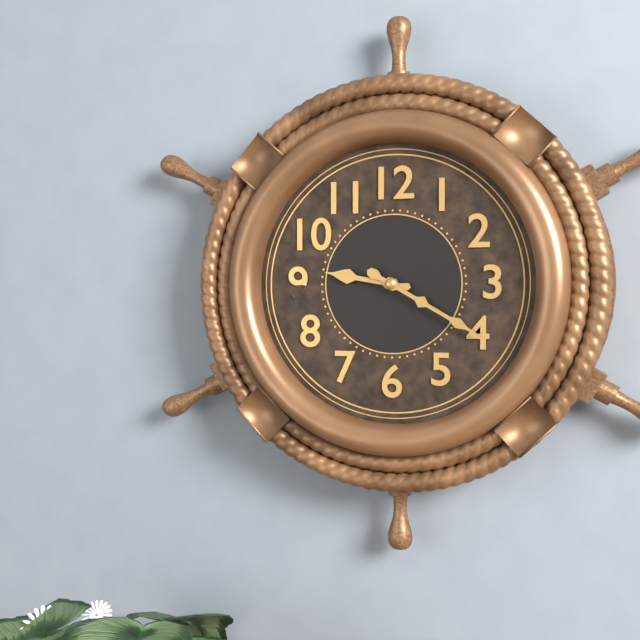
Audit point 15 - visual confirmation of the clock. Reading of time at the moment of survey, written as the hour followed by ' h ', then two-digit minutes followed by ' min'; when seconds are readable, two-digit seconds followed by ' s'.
9 h 20 min
